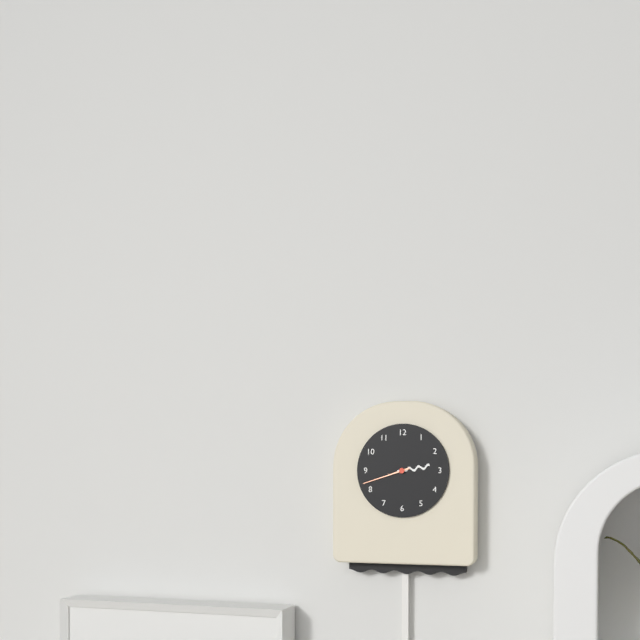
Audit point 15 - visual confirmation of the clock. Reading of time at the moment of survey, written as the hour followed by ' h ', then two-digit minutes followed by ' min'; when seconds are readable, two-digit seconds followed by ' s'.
2 h 42 min
